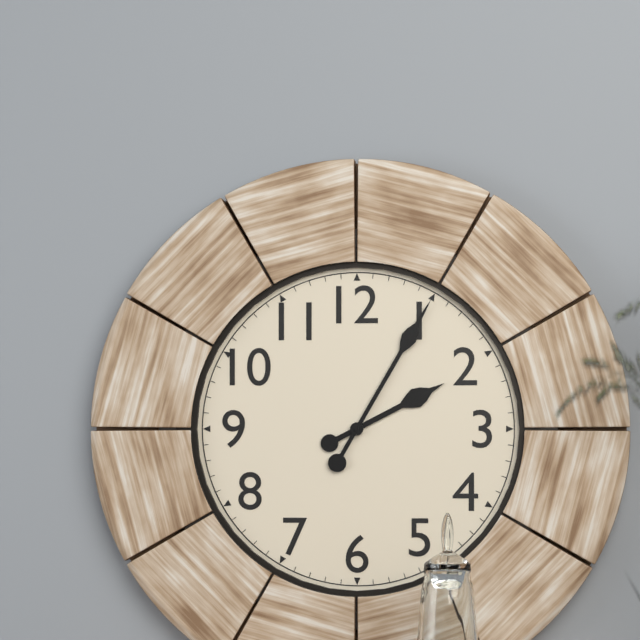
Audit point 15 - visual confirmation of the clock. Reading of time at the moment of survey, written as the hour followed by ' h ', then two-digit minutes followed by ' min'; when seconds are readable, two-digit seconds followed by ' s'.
2 h 05 min
